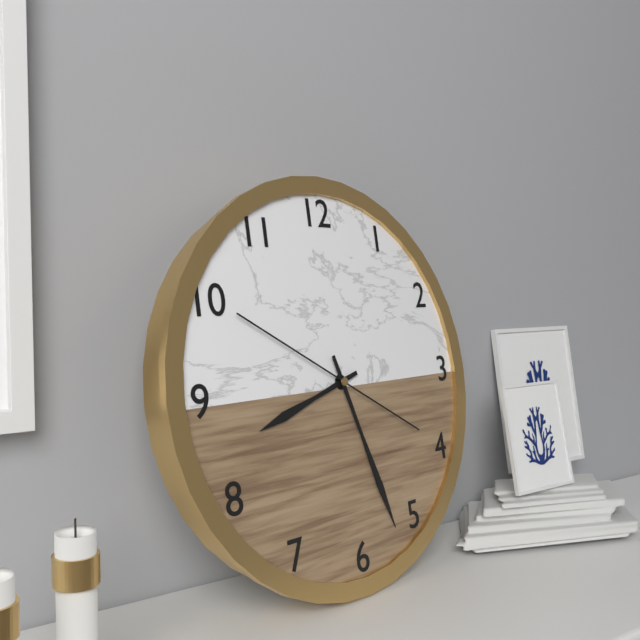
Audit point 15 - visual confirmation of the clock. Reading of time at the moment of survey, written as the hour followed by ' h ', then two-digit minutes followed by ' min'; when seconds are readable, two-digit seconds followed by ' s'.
8 h 27 min 50 s
